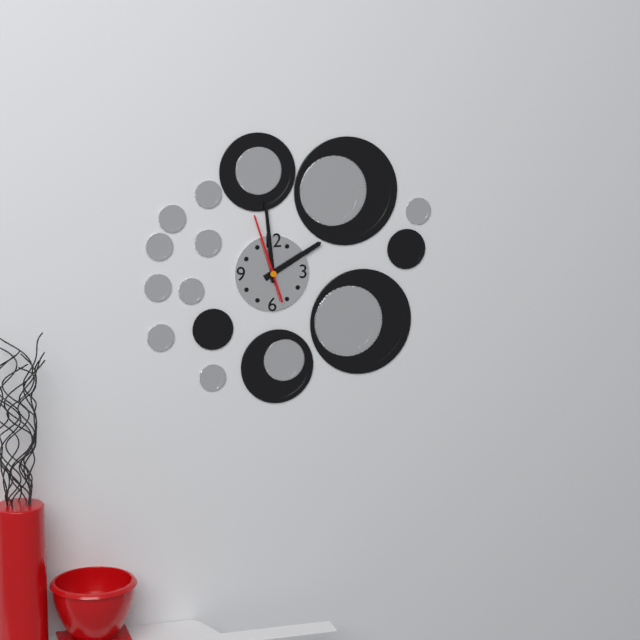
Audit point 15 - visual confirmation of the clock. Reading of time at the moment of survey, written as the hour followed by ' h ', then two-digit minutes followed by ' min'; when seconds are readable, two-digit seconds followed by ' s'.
1 h 59 min 57 s
